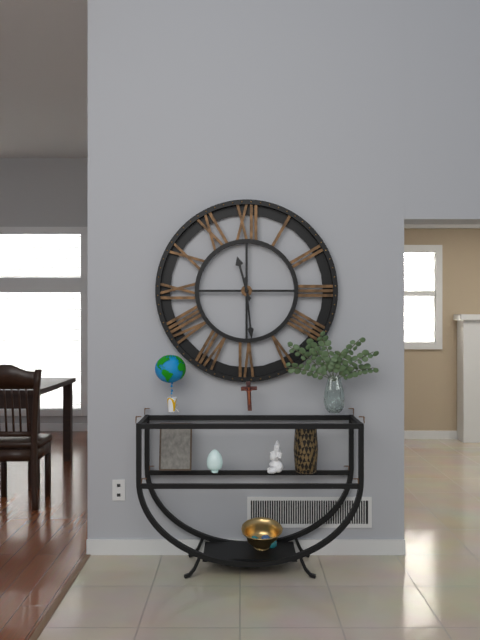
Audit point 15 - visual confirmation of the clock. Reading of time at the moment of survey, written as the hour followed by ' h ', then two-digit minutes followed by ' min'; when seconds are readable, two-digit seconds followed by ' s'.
11 h 29 min
